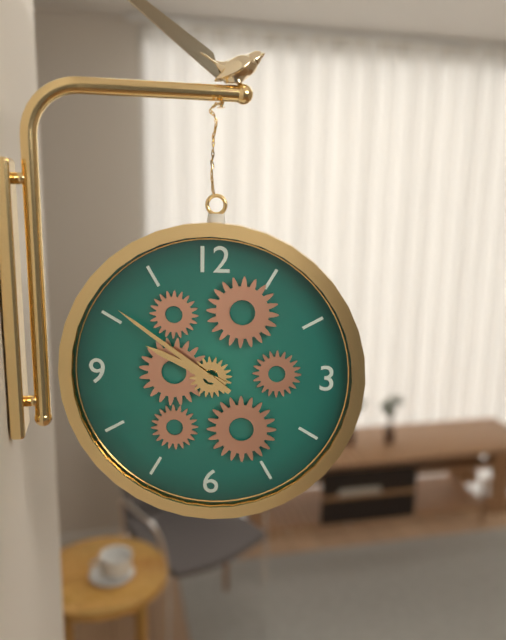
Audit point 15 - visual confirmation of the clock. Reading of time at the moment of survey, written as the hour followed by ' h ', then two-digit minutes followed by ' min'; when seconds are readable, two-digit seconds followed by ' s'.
9 h 51 min
